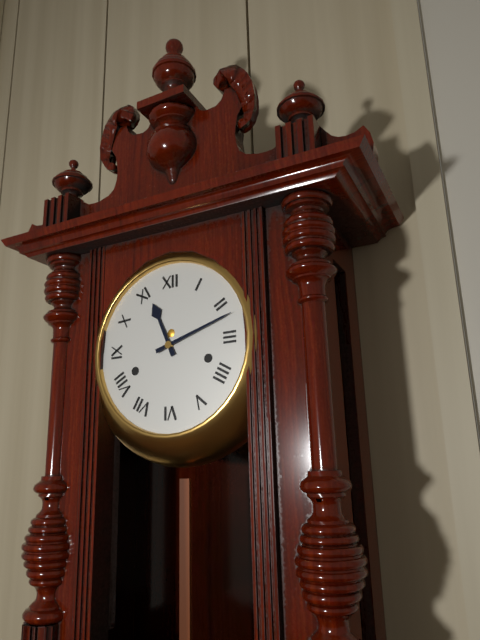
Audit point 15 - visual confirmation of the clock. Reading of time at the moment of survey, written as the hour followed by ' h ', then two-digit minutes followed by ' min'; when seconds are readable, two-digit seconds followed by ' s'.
11 h 12 min
